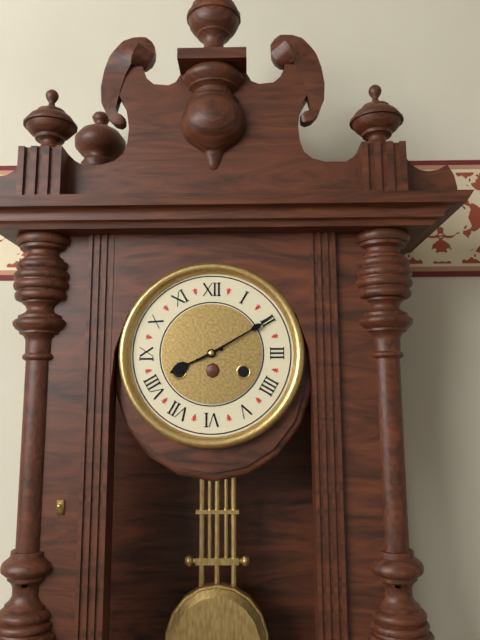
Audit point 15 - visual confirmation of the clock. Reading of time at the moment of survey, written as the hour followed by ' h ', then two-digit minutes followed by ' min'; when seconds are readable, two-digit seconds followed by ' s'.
8 h 10 min
